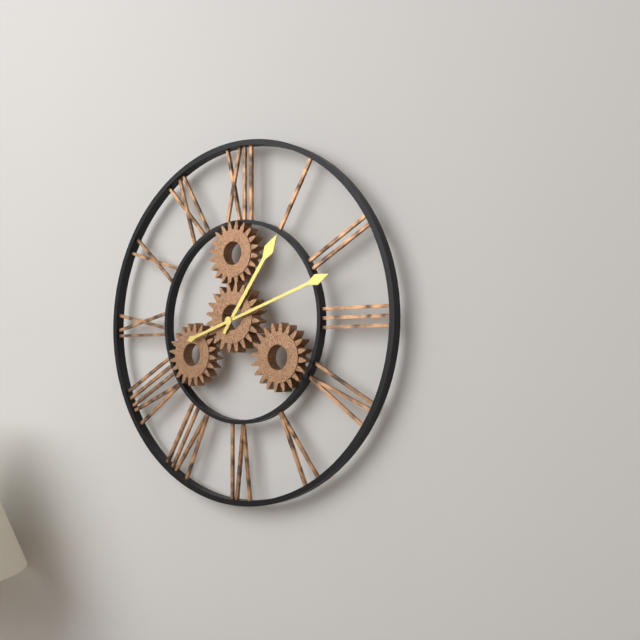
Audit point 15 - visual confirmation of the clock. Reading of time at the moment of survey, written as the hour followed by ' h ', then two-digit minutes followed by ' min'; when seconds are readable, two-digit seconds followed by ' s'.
1 h 12 min
